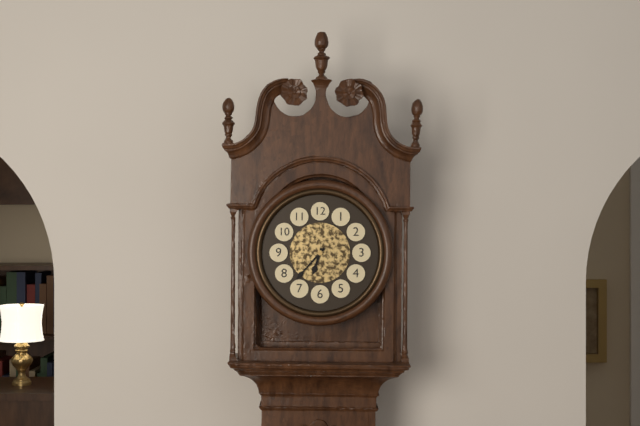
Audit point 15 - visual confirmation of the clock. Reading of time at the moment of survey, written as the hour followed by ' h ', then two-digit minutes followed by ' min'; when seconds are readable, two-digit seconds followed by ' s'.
6 h 37 min
